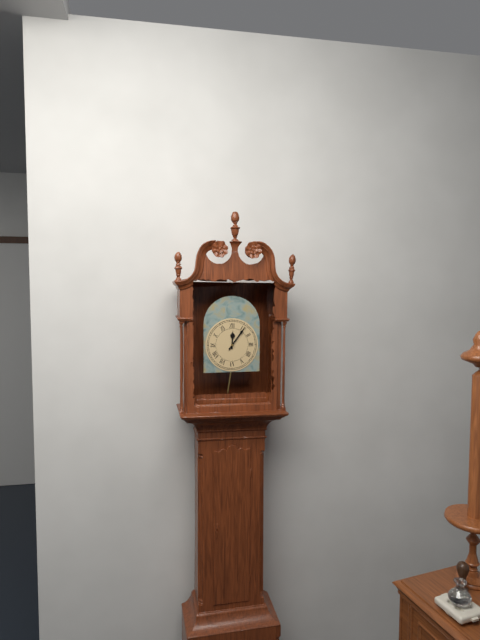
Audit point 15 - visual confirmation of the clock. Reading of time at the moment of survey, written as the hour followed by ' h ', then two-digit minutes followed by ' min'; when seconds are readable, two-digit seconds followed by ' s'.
12 h 06 min
